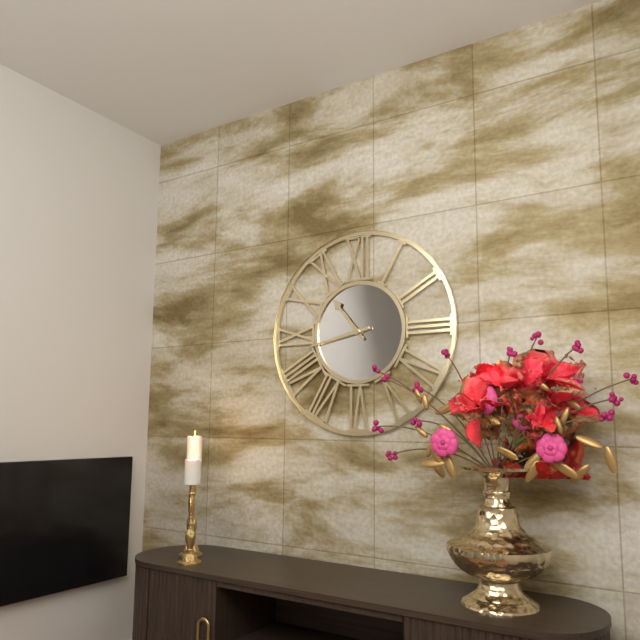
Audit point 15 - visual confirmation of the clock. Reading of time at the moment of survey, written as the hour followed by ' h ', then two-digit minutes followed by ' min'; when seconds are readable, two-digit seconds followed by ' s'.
10 h 43 min
